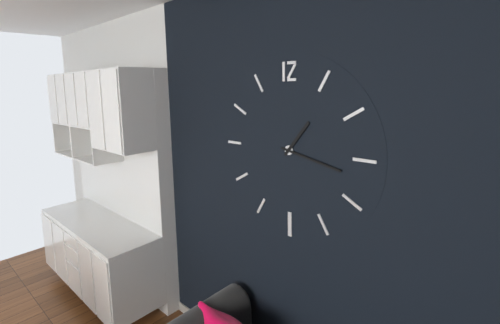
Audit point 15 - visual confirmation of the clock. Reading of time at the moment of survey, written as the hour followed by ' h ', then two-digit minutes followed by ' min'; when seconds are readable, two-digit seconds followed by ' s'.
1 h 17 min
